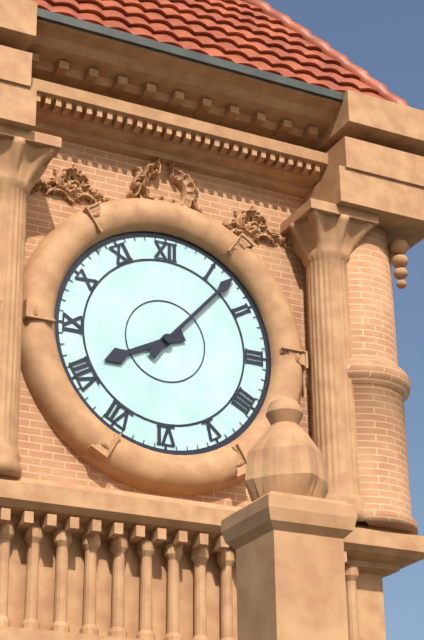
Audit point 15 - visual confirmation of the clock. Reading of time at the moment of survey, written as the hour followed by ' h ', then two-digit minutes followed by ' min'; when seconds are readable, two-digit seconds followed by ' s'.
8 h 07 min
